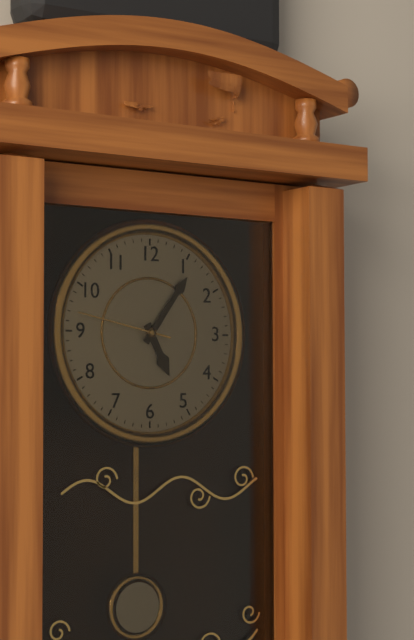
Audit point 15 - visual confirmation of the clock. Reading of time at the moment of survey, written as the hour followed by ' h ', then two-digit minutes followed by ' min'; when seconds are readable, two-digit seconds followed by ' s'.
5 h 06 min 47 s
